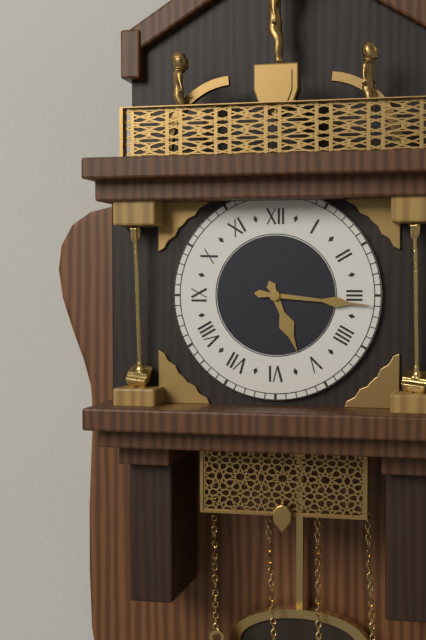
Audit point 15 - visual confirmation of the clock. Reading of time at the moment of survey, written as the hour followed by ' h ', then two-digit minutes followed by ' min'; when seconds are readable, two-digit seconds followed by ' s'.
5 h 16 min
